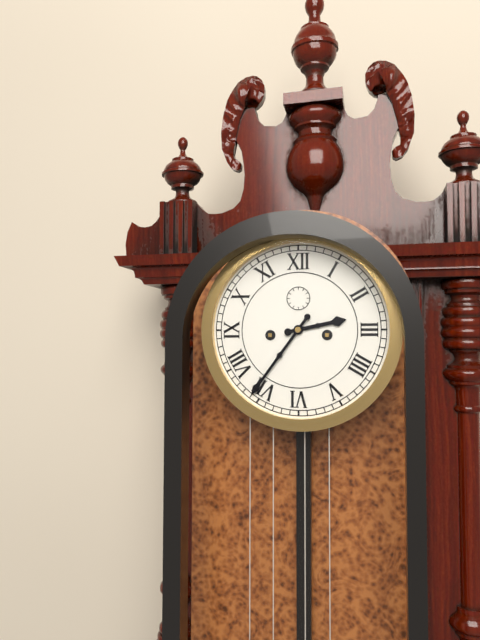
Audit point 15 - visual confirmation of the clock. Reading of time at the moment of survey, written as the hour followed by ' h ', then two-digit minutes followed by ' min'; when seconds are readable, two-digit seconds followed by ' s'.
2 h 36 min
